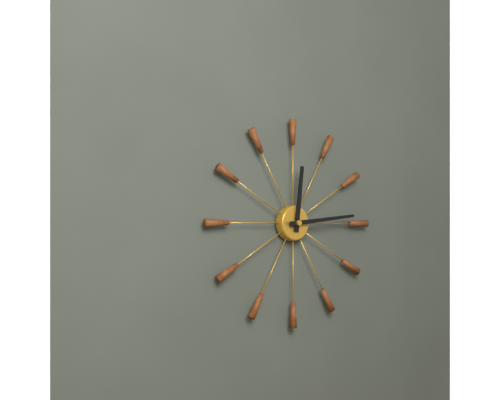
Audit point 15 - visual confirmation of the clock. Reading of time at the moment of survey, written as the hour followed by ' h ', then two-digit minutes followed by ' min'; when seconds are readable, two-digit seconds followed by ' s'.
12 h 14 min
